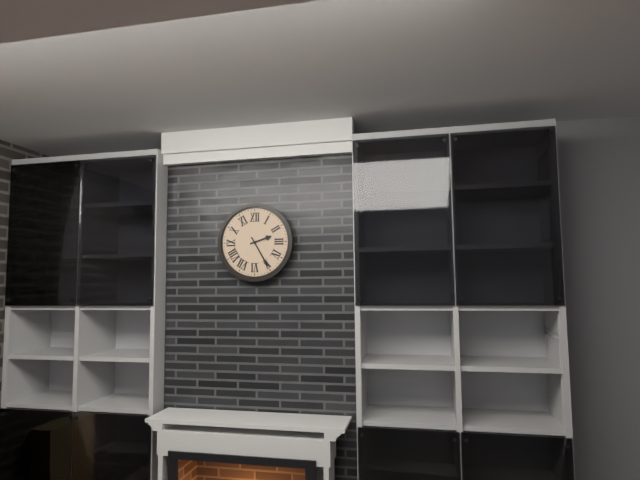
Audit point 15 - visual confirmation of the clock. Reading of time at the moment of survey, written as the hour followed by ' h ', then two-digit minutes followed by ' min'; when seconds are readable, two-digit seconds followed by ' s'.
2 h 25 min
